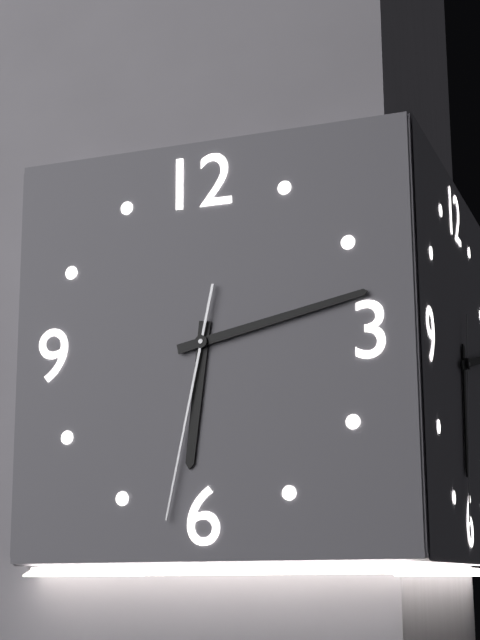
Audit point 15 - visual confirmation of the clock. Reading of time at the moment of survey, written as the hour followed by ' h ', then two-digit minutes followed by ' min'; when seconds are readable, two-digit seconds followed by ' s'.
6 h 13 min 32 s
